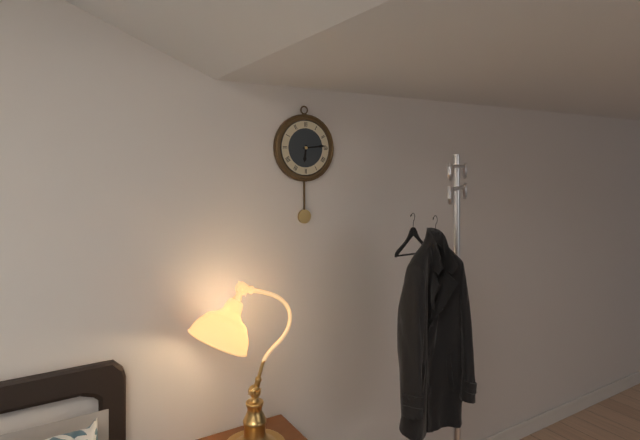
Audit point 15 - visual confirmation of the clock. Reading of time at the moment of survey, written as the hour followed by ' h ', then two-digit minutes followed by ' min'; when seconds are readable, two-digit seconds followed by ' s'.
6 h 14 min
